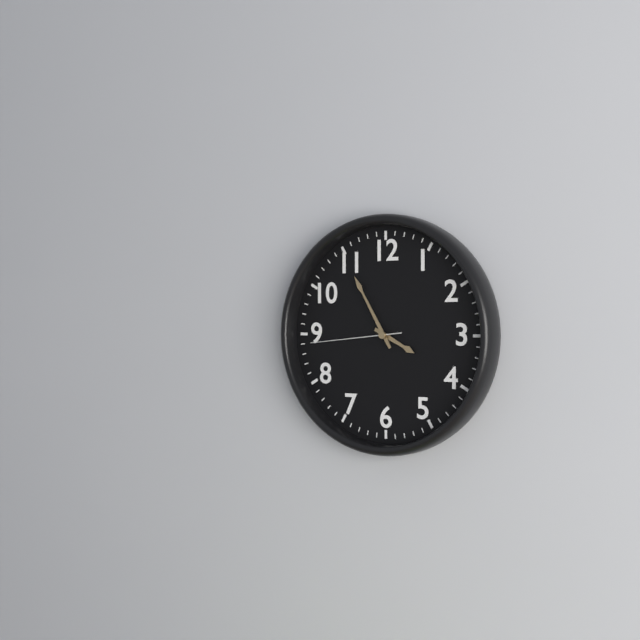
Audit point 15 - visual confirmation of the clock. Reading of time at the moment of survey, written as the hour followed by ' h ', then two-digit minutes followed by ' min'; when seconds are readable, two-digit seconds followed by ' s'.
3 h 55 min 44 s
